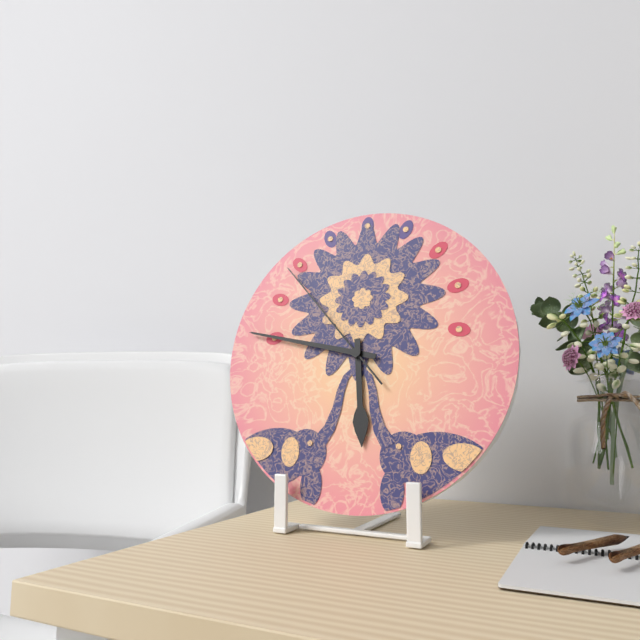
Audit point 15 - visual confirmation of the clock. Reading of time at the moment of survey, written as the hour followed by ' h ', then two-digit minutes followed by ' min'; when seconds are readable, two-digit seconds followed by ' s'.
5 h 47 min 53 s
